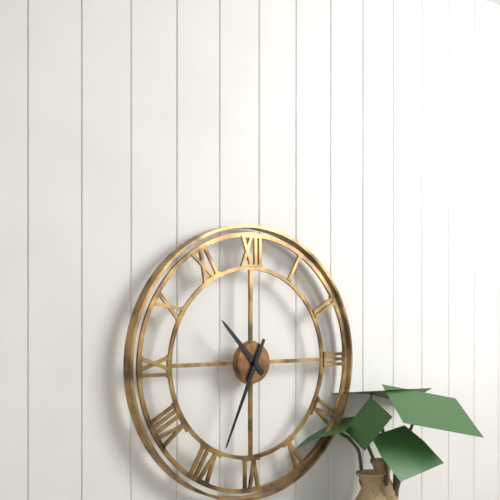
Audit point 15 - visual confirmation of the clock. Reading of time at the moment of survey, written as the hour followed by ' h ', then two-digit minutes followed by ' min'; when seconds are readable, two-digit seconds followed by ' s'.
10 h 34 min
